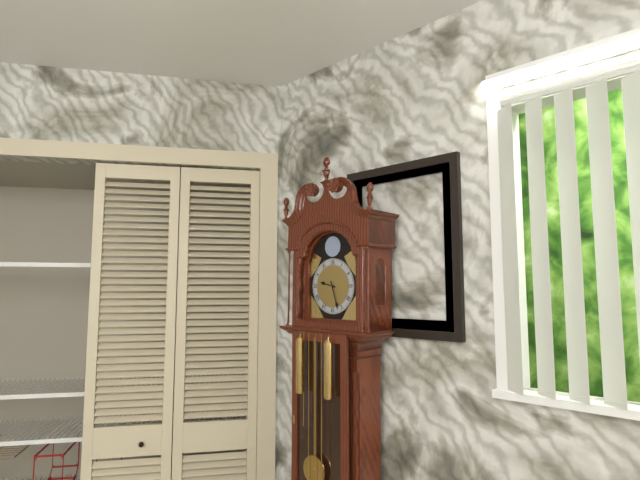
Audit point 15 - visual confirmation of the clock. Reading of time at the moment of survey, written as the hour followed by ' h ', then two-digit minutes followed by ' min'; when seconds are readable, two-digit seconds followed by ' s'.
9 h 27 min
